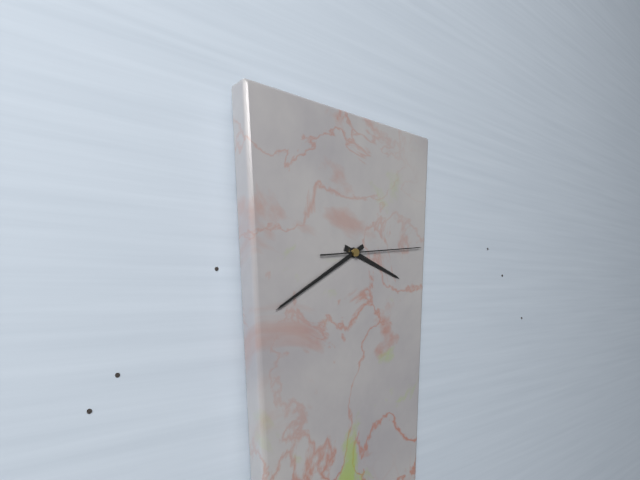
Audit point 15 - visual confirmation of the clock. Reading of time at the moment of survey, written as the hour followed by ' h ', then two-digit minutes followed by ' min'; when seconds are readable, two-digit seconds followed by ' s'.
3 h 40 min 14 s
